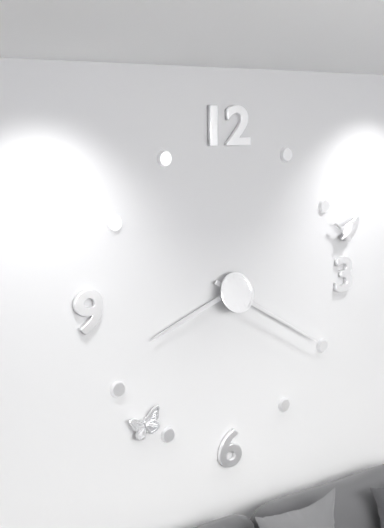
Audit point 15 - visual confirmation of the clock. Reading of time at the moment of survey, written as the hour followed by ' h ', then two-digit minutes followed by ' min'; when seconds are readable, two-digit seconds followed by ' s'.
8 h 20 min
